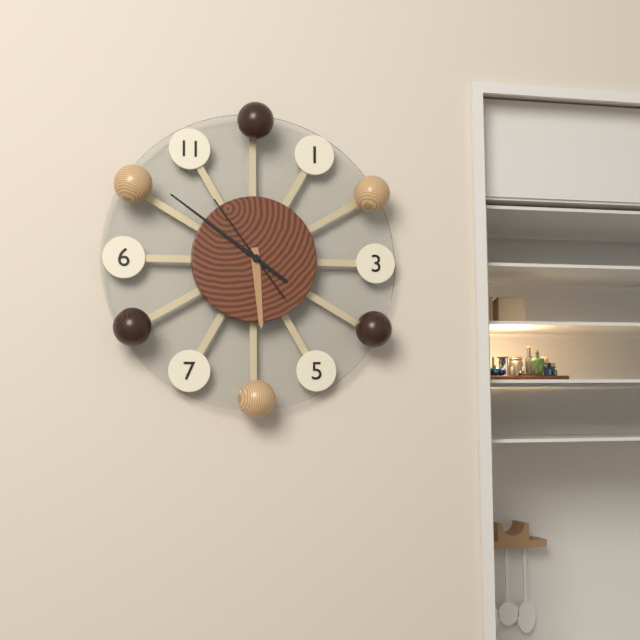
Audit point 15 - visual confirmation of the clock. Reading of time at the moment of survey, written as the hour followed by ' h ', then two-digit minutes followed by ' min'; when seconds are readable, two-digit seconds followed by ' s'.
5 h 51 min 54 s
